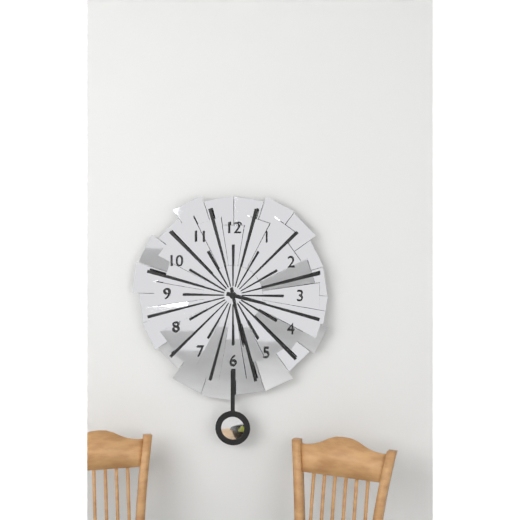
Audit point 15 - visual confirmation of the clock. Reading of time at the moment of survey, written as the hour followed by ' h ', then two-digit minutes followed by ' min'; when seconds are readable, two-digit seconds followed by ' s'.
3 h 28 min
